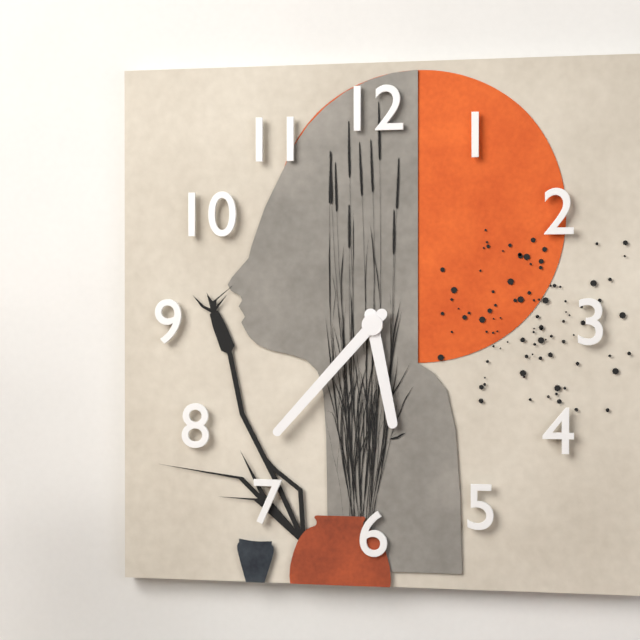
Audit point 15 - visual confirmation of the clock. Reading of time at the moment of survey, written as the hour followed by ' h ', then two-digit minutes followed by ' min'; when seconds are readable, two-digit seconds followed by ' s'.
5 h 37 min
